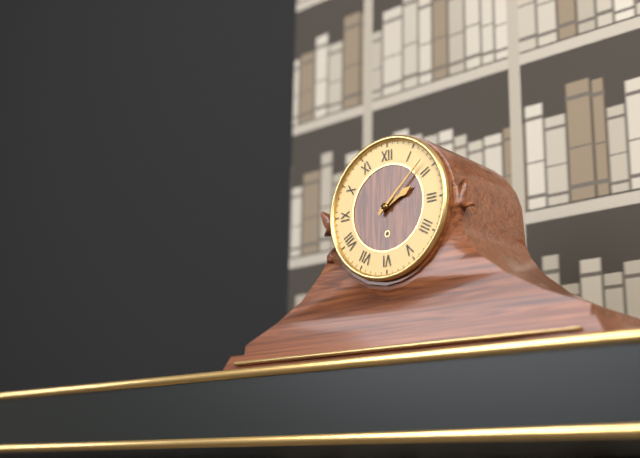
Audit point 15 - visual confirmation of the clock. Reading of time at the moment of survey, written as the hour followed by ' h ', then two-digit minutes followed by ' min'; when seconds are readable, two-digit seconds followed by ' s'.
2 h 08 min
